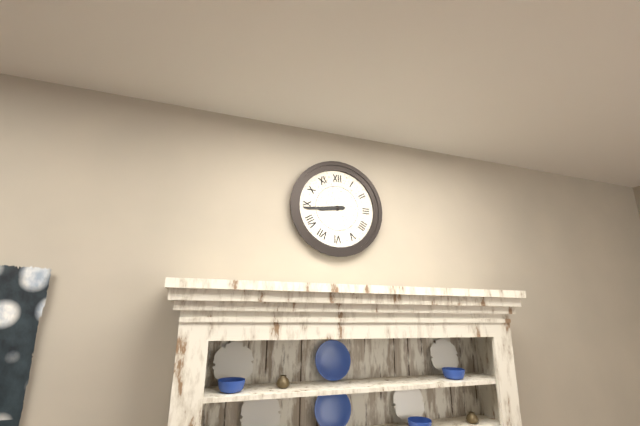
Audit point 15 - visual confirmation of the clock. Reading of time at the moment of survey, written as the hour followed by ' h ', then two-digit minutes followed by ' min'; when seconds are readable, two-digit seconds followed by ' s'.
8 h 44 min
